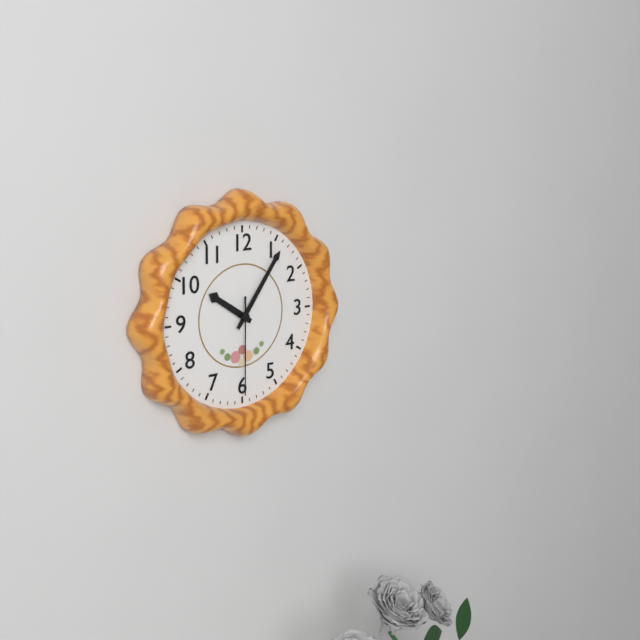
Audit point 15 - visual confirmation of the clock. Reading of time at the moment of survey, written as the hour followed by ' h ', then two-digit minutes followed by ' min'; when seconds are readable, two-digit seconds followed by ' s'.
10 h 06 min 30 s
